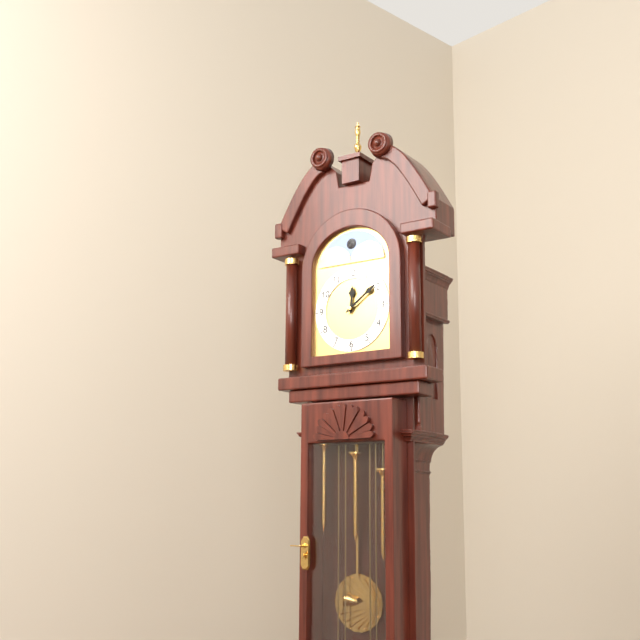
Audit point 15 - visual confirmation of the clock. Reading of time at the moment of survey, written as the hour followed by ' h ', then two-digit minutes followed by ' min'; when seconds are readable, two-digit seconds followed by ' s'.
12 h 09 min
